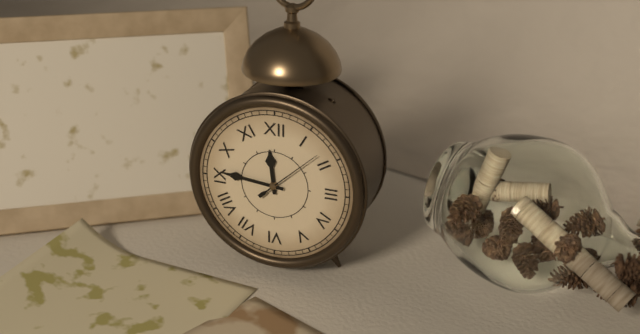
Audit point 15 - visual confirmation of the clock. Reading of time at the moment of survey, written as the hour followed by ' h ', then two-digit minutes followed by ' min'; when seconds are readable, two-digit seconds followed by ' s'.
11 h 46 min 08 s
